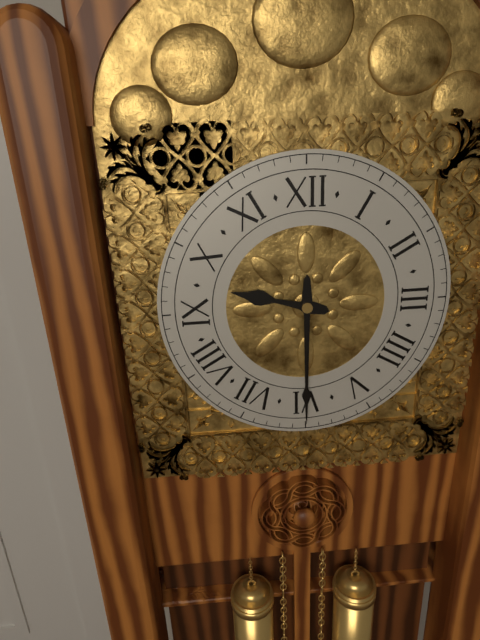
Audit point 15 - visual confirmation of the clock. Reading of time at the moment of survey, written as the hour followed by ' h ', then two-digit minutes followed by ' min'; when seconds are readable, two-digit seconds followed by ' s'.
9 h 30 min
